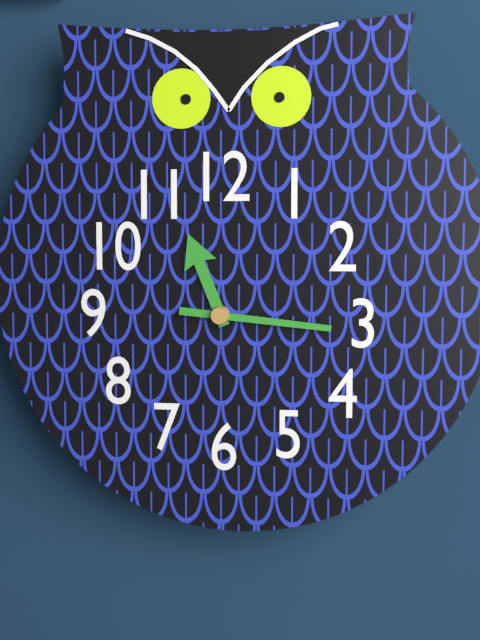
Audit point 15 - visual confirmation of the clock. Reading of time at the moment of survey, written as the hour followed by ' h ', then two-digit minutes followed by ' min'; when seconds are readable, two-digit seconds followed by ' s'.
11 h 16 min
